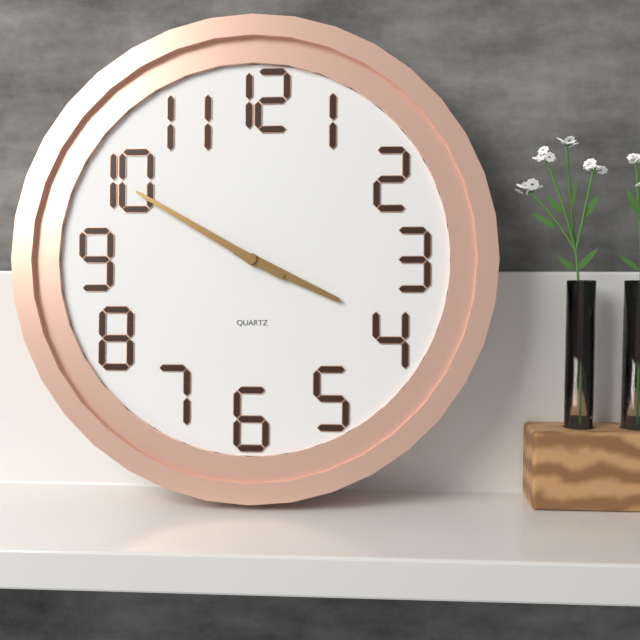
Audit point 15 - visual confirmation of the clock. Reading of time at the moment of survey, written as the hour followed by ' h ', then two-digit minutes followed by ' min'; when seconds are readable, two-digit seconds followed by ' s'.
3 h 50 min
